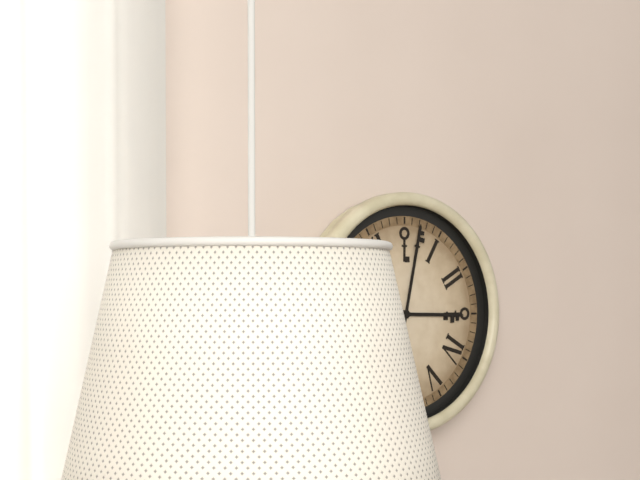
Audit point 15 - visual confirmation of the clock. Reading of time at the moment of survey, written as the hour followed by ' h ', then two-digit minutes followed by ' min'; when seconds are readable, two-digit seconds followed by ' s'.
3 h 02 min
